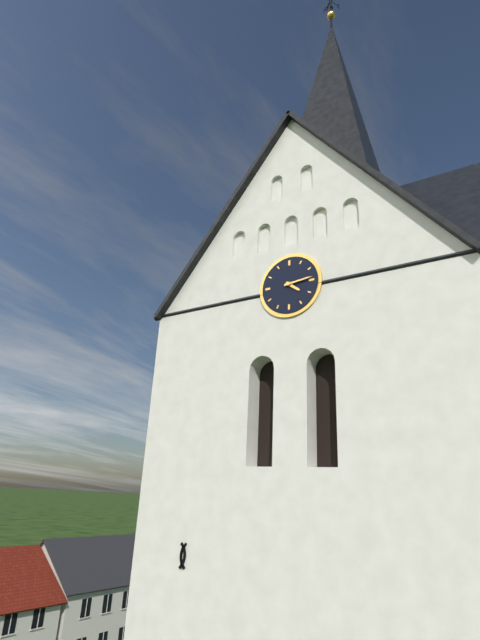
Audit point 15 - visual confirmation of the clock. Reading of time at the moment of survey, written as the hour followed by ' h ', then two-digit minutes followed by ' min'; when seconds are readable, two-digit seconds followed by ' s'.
4 h 14 min
